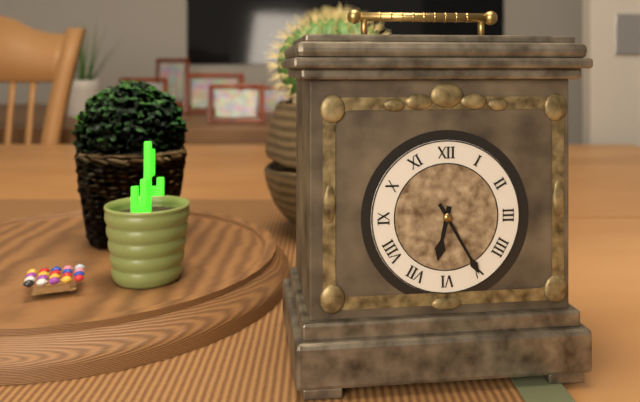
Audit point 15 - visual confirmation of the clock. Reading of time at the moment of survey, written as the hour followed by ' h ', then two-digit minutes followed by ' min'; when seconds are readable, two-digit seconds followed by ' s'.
6 h 25 min
